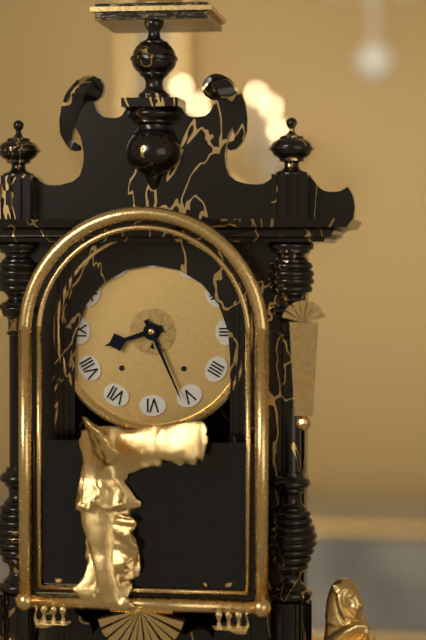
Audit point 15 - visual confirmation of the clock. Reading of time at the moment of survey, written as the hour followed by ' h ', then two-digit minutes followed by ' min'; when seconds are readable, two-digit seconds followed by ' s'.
8 h 26 min
